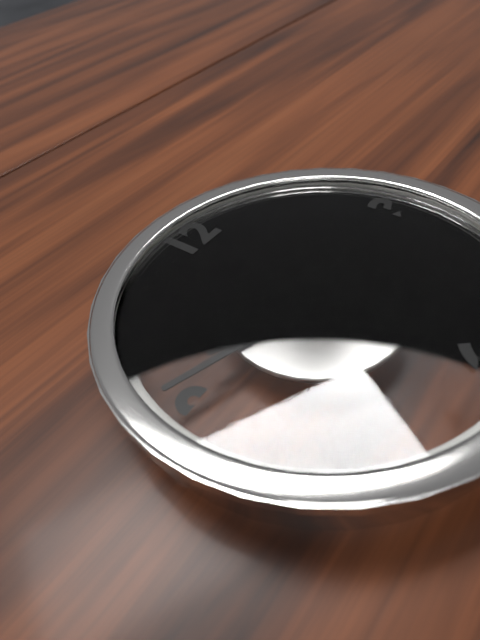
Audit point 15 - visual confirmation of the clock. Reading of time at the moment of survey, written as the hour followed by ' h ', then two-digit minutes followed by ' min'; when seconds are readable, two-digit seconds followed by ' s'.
9 h 48 min
